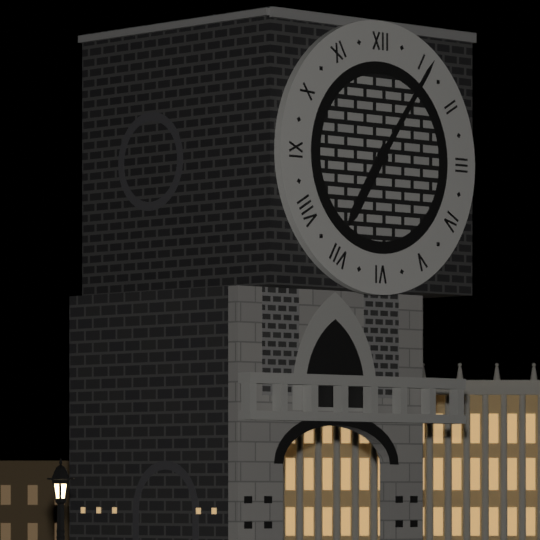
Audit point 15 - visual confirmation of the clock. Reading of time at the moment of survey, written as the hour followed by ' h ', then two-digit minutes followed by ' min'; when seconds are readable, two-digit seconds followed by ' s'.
7 h 06 min
